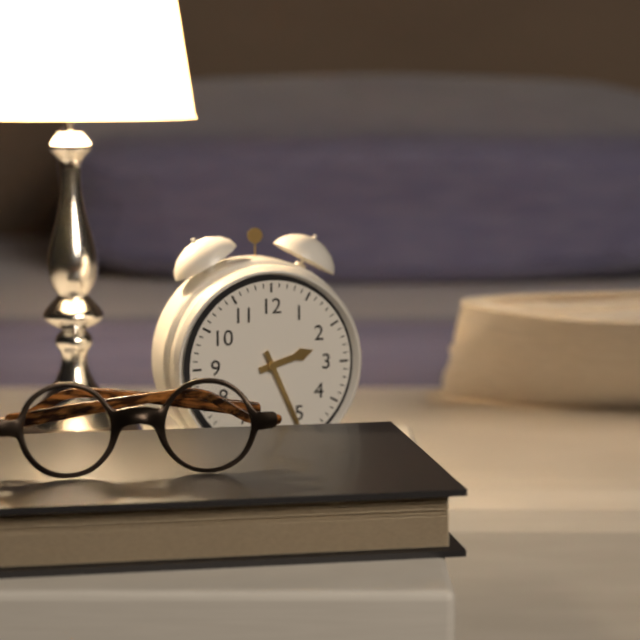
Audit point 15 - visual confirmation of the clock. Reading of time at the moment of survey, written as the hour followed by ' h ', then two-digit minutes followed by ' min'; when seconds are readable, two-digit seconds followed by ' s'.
2 h 26 min
